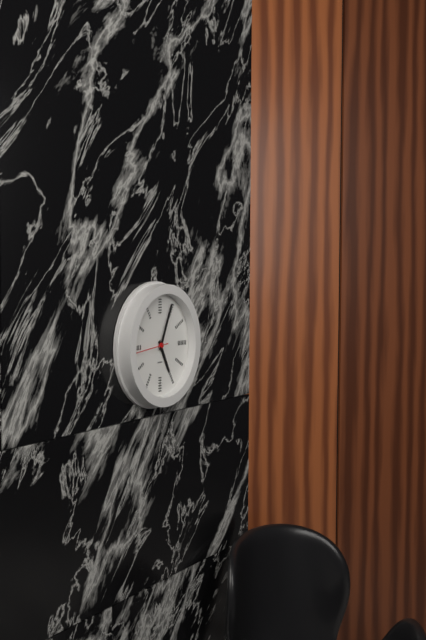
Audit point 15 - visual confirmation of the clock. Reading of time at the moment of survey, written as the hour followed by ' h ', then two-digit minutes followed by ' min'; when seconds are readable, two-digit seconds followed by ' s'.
5 h 04 min
